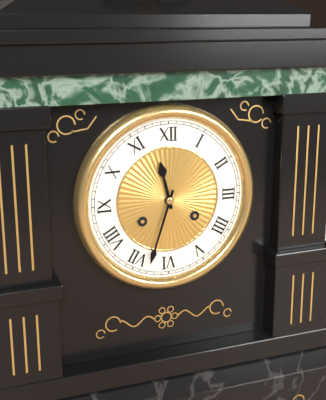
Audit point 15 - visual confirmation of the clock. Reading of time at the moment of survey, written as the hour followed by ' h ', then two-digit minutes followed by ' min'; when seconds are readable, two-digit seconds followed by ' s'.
11 h 33 min
